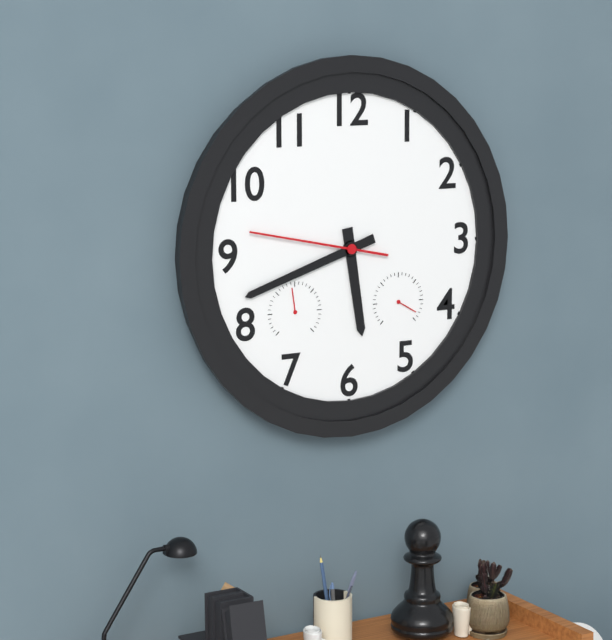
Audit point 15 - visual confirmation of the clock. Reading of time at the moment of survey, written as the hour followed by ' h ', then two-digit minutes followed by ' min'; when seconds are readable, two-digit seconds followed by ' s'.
5 h 42 min 47 s
